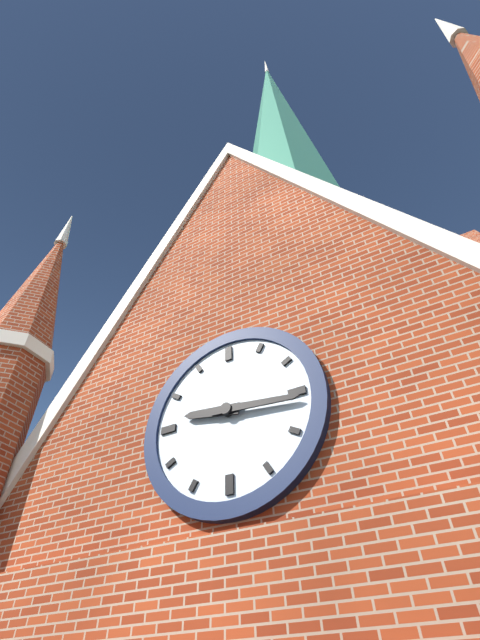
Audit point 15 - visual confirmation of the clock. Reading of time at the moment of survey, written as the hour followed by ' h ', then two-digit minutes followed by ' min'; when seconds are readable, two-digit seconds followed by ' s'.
9 h 16 min
